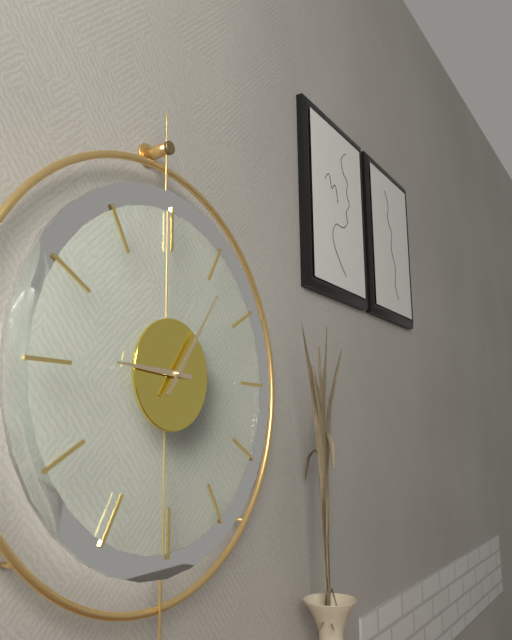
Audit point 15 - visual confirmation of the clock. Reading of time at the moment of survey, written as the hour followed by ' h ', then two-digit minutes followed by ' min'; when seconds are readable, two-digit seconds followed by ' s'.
9 h 06 min
